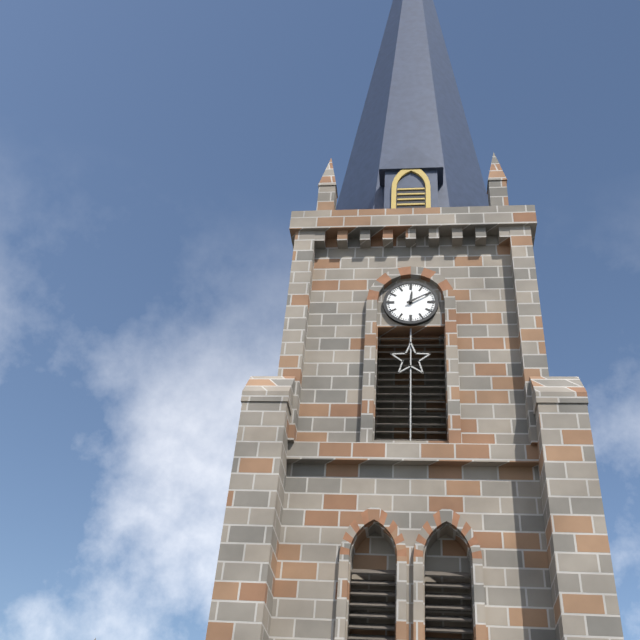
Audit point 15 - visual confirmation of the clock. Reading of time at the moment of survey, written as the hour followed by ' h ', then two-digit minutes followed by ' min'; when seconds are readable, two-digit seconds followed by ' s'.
12 h 10 min
